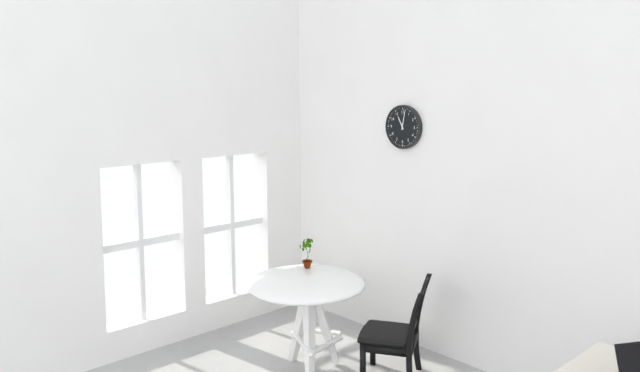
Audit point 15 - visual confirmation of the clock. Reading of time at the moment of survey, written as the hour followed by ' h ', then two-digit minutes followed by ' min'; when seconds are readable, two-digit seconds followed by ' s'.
11 h 02 min
